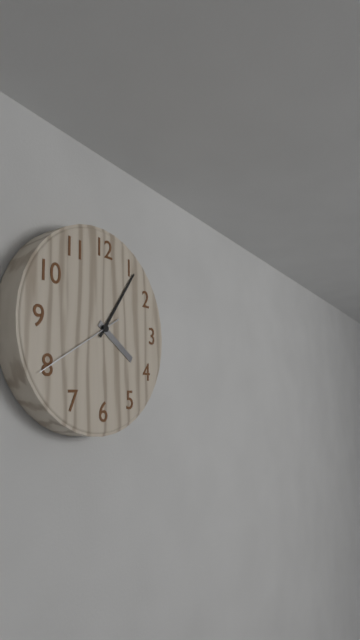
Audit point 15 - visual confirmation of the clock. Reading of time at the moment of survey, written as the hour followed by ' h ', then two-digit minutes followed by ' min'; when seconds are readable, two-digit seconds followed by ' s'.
4 h 06 min 40 s
